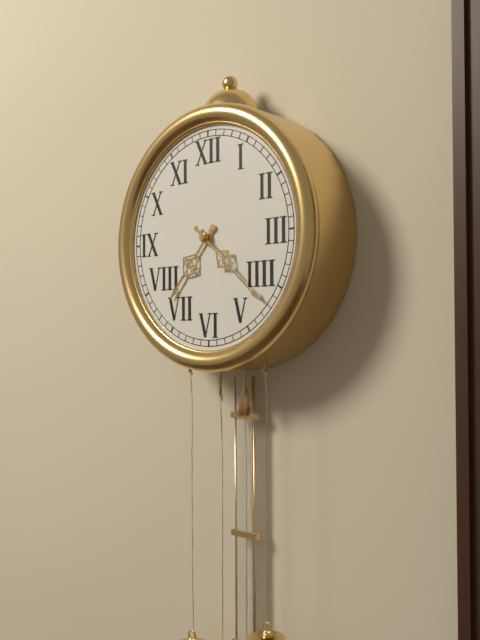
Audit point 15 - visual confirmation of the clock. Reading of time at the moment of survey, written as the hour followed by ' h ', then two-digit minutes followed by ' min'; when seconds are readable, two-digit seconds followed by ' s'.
7 h 22 min
